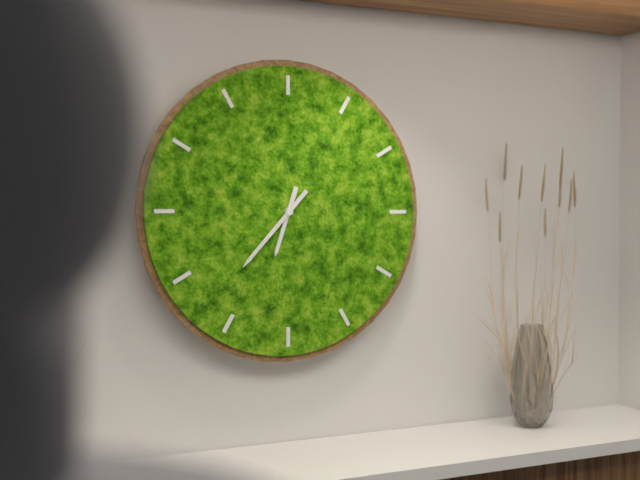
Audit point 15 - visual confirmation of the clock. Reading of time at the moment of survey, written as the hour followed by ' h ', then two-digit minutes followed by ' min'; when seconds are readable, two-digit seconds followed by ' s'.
6 h 37 min
